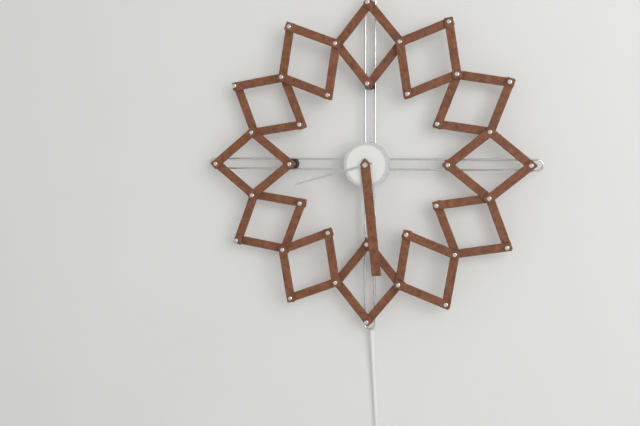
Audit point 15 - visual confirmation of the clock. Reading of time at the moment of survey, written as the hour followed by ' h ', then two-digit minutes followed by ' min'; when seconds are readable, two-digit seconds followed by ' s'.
8 h 29 min
